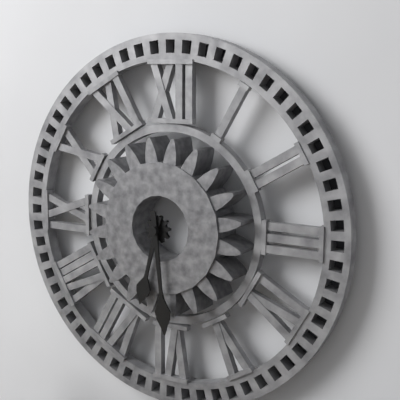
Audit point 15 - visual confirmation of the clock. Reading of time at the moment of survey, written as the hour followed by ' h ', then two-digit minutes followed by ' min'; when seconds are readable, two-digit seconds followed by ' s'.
6 h 29 min
